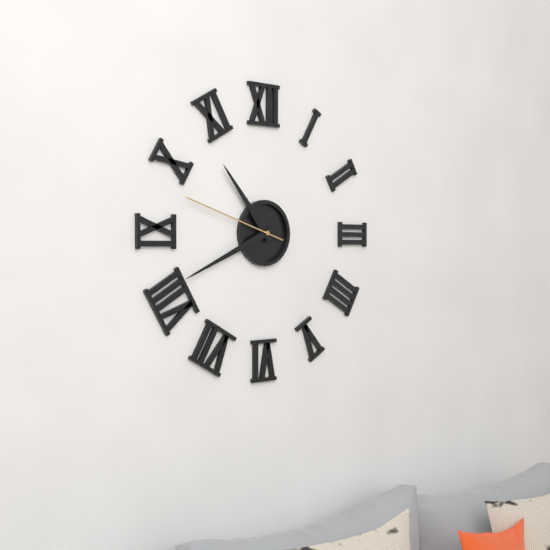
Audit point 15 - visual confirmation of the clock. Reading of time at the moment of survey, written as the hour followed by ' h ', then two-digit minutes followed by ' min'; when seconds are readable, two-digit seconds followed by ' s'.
10 h 41 min 48 s
